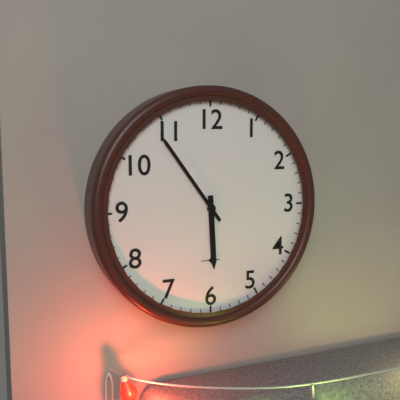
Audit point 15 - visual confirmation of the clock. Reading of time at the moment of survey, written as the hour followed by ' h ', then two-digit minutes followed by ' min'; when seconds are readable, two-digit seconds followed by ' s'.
5 h 54 min
